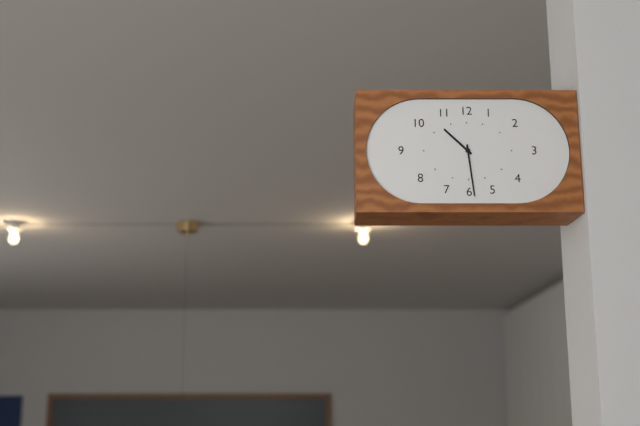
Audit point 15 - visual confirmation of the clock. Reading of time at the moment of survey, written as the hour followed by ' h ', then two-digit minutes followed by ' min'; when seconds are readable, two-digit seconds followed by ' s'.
10 h 29 min
